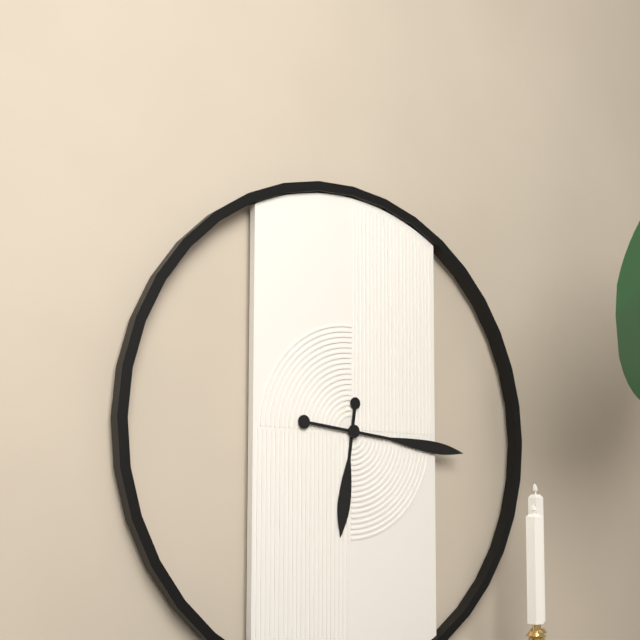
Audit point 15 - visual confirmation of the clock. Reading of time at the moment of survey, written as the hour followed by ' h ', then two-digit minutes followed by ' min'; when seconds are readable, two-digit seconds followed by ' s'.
6 h 16 min
